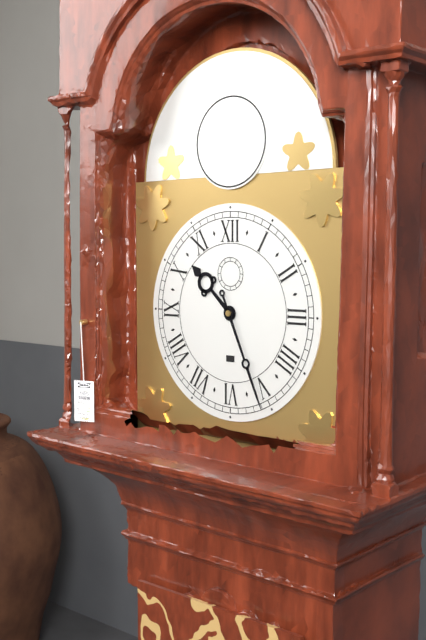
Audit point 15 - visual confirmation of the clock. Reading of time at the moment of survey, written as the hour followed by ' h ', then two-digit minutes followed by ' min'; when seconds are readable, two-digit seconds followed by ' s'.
10 h 26 min
